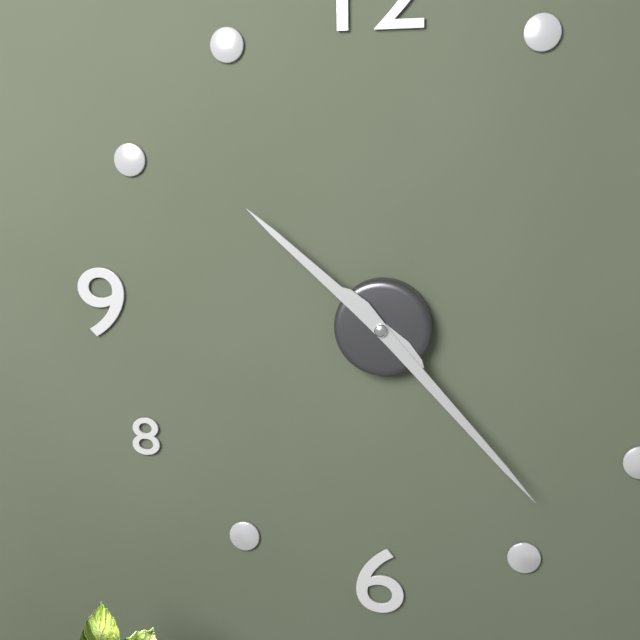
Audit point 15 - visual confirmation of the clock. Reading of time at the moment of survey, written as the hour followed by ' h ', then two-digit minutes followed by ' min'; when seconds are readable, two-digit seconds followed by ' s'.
10 h 23 min
